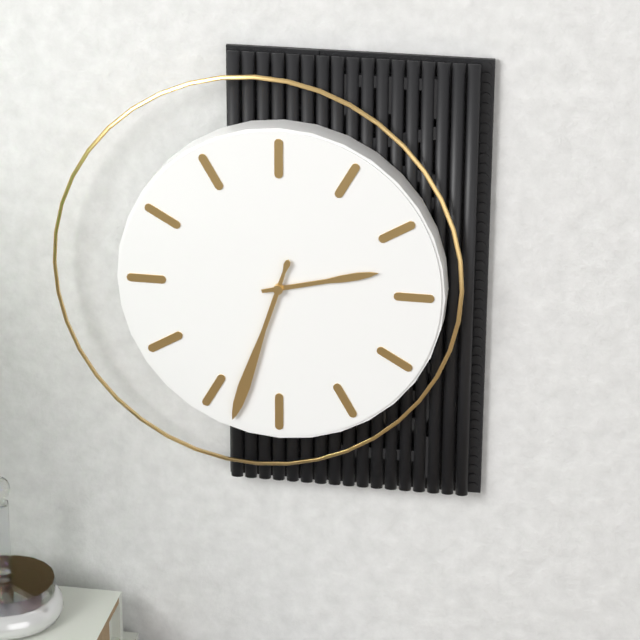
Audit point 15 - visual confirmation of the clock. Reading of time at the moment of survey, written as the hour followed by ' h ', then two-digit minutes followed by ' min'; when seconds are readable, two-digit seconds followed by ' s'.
2 h 33 min
